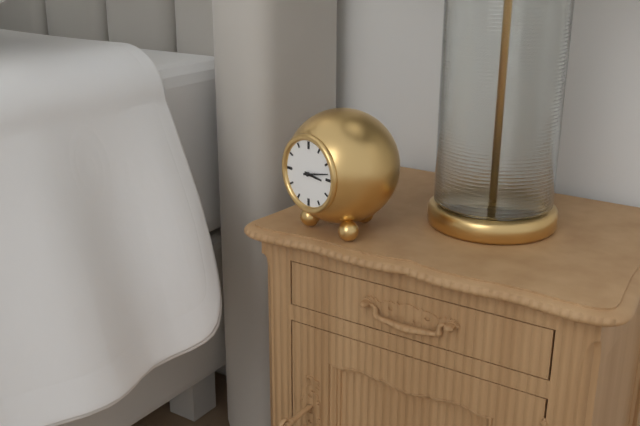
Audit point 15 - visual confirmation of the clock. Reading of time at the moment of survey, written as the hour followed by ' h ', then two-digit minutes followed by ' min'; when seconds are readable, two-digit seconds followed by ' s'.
3 h 13 min
